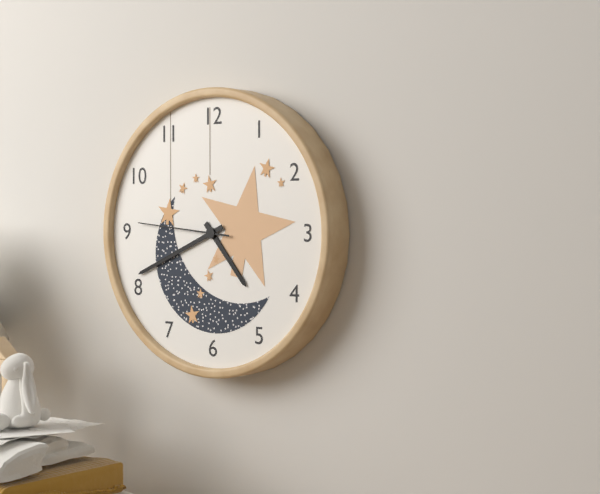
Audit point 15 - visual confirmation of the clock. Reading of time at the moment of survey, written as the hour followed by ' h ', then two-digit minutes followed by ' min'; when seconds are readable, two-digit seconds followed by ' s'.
4 h 41 min 46 s
